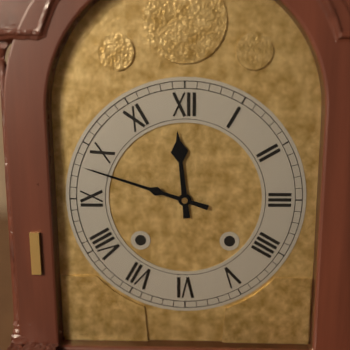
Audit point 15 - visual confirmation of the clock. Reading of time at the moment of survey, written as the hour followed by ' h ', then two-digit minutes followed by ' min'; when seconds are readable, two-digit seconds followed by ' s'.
11 h 48 min
